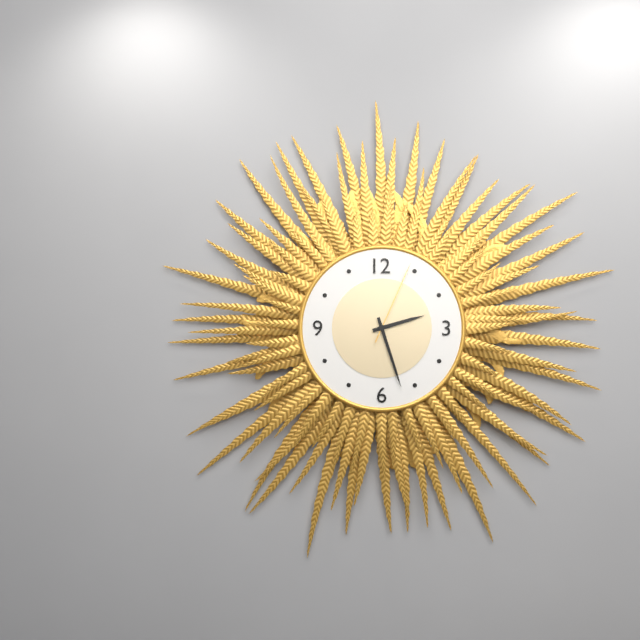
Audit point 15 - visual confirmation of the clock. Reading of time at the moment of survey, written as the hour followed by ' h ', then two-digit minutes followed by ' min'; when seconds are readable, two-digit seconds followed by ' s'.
2 h 27 min 04 s
